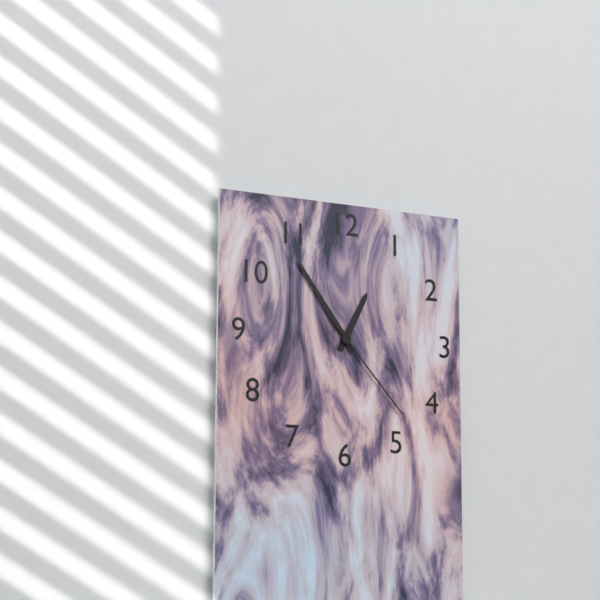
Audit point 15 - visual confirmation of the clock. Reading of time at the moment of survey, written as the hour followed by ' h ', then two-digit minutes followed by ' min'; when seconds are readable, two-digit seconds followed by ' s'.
12 h 54 min 23 s
